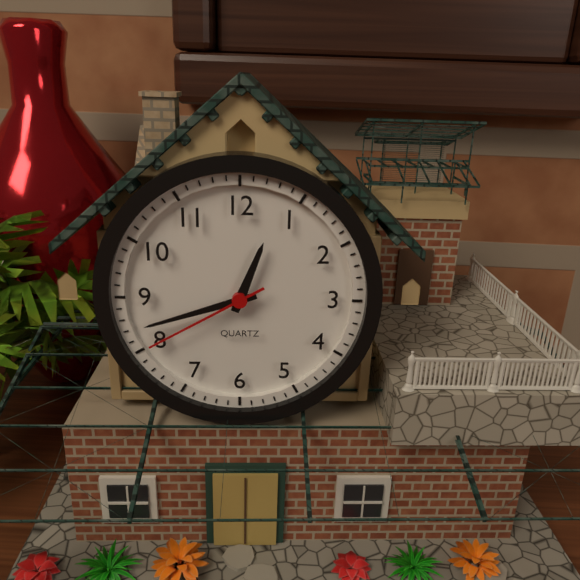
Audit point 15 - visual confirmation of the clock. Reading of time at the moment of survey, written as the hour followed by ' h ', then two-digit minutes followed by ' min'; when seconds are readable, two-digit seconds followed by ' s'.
12 h 42 min 40 s
